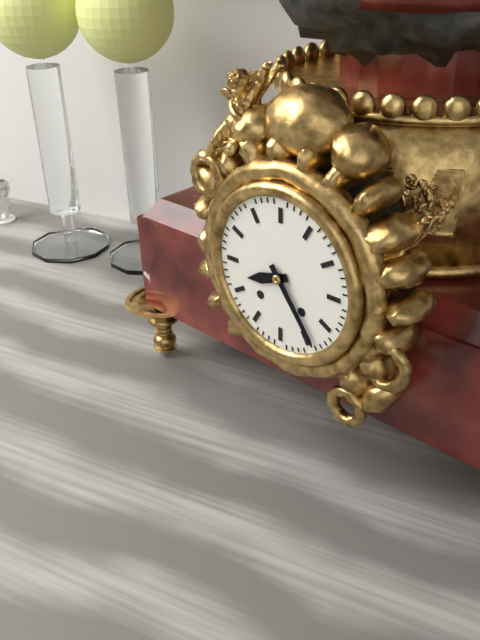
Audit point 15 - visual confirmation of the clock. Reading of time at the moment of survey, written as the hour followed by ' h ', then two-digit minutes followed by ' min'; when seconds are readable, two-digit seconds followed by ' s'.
8 h 24 min
